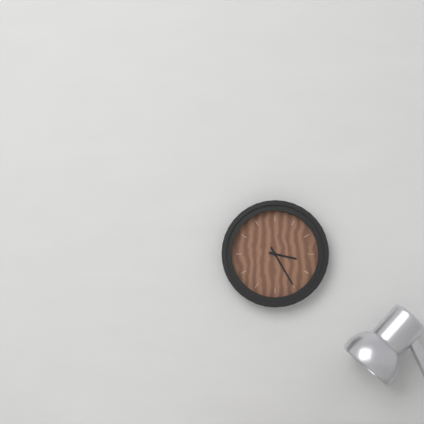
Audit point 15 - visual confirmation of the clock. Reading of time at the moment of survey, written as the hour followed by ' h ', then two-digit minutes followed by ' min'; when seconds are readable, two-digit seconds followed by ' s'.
3 h 25 min
